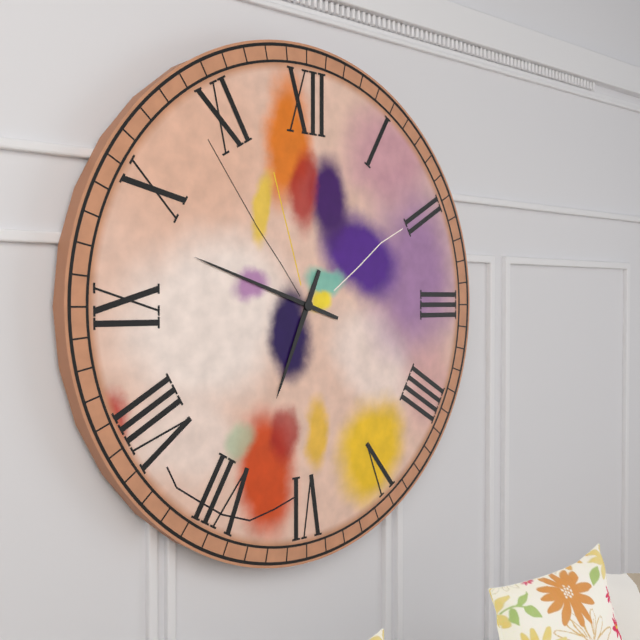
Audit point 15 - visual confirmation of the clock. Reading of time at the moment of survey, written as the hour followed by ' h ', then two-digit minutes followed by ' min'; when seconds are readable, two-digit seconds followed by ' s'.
6 h 48 min
